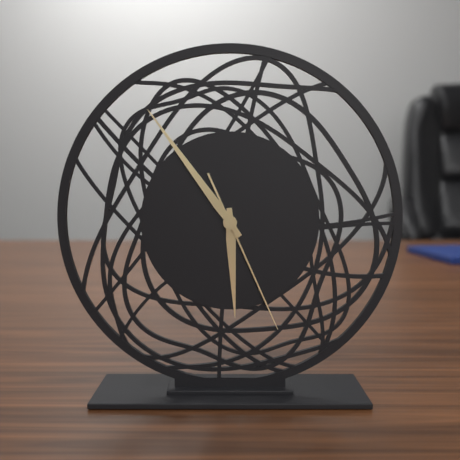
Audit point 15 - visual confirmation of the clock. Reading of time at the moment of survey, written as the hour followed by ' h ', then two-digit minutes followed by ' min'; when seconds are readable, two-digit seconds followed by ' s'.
5 h 54 min 26 s
